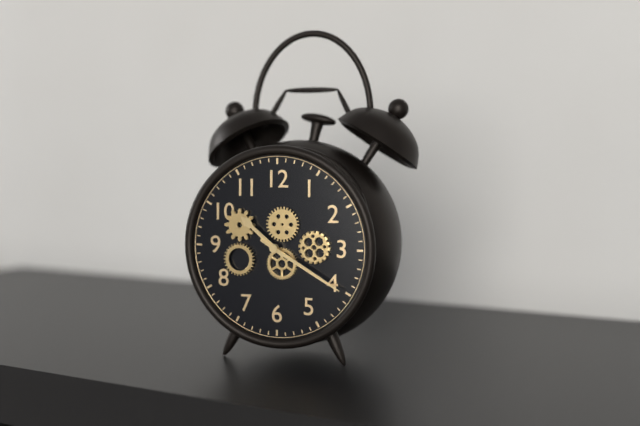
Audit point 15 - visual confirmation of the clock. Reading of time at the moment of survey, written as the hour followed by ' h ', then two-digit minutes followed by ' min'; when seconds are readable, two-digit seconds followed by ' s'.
10 h 20 min
